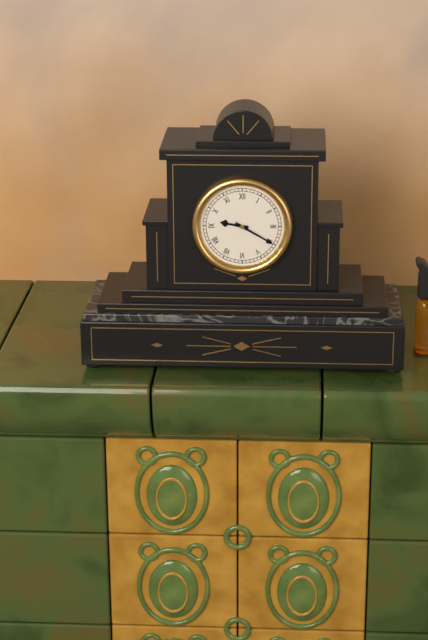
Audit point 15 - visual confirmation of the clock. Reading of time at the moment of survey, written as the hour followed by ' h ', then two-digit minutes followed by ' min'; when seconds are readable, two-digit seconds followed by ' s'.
9 h 20 min
